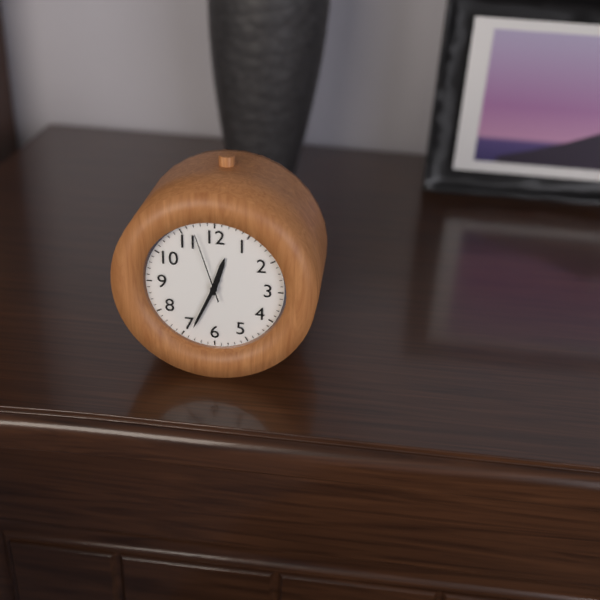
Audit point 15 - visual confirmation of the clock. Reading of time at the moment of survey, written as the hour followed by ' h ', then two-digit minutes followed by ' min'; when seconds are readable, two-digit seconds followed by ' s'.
12 h 34 min 57 s
